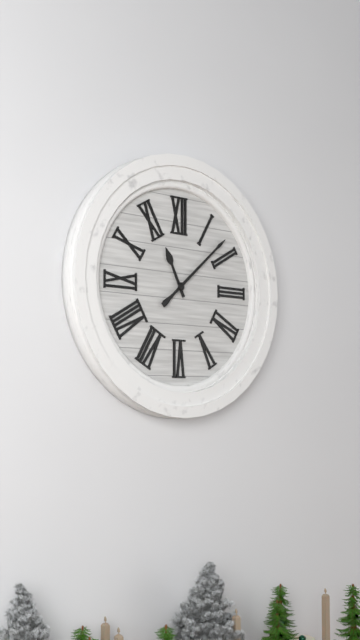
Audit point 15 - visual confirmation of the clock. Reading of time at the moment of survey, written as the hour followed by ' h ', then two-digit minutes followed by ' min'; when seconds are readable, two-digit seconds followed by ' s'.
11 h 08 min
